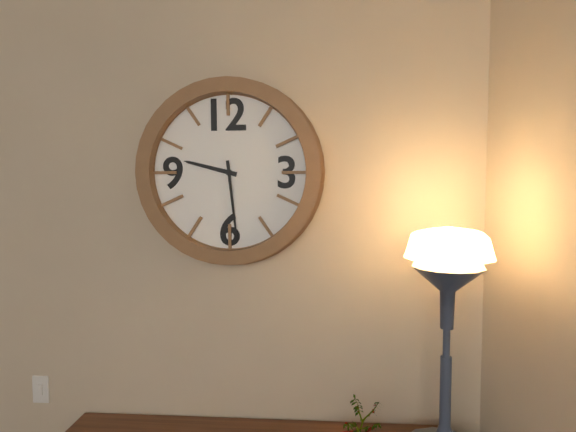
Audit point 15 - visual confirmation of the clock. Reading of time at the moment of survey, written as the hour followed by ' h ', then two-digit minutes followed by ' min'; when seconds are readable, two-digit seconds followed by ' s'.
9 h 29 min
